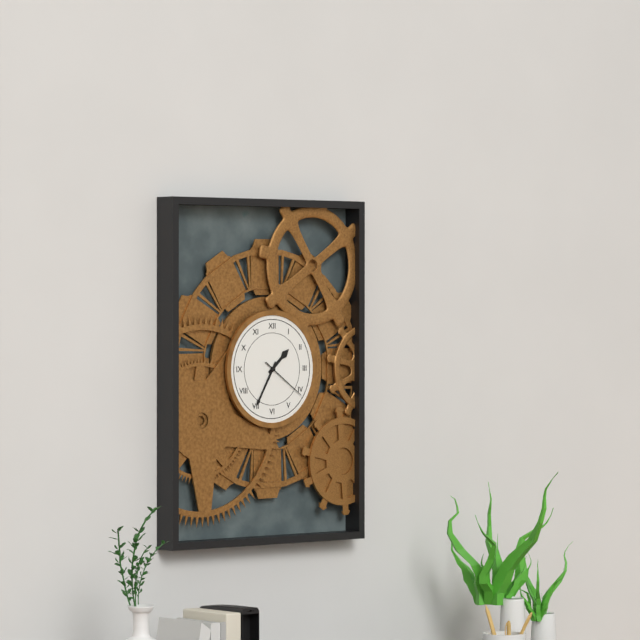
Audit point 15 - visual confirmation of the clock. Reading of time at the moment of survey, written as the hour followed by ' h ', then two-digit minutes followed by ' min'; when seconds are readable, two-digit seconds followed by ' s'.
1 h 35 min
